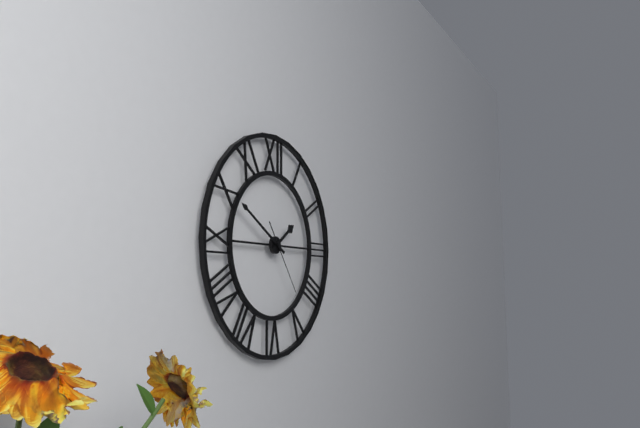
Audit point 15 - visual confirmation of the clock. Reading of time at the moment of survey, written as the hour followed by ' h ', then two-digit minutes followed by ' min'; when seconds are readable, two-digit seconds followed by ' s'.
1 h 50 min 24 s
